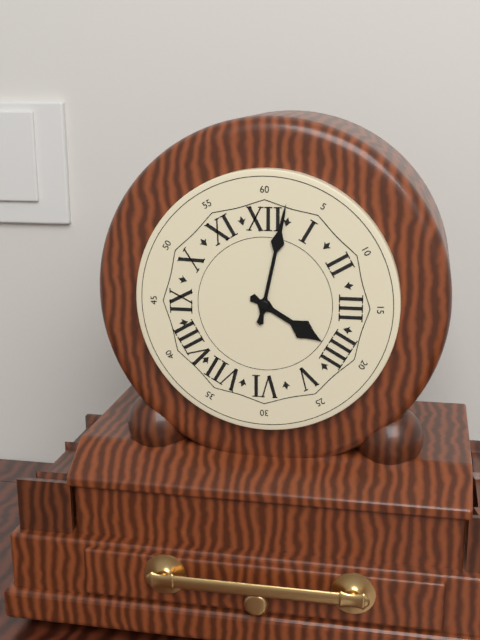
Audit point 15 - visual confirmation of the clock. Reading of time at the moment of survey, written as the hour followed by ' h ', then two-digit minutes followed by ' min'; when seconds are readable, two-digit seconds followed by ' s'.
4 h 02 min
